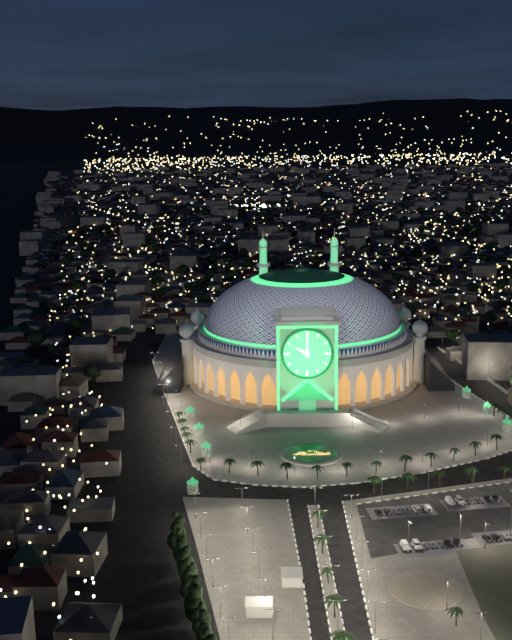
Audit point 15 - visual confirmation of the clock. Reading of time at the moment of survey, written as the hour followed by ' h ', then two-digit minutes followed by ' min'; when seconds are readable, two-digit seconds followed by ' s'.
10 h 00 min
